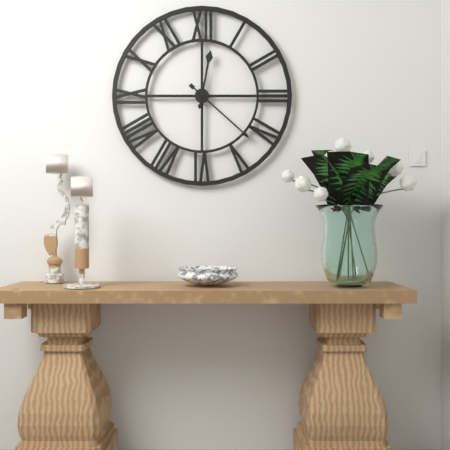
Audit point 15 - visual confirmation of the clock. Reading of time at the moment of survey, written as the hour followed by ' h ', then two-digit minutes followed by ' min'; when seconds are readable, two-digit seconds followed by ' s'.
12 h 22 min
